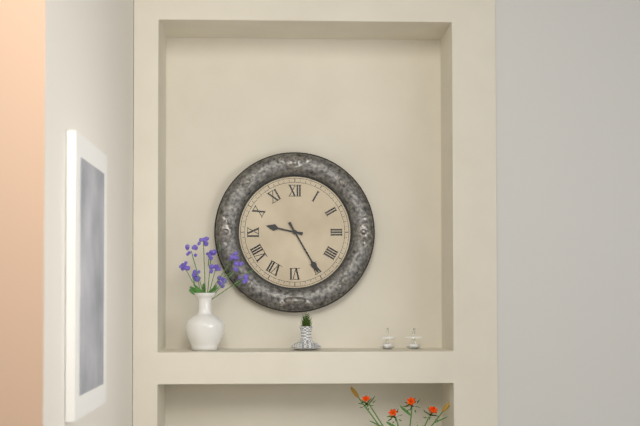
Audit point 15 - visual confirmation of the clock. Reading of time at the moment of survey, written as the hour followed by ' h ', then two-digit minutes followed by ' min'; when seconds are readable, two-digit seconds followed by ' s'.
9 h 25 min
